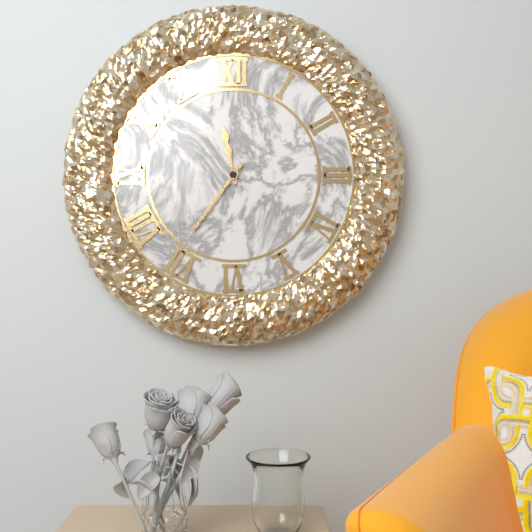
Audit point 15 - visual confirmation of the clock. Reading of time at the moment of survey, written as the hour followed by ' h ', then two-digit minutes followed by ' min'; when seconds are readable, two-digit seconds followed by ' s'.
11 h 36 min
